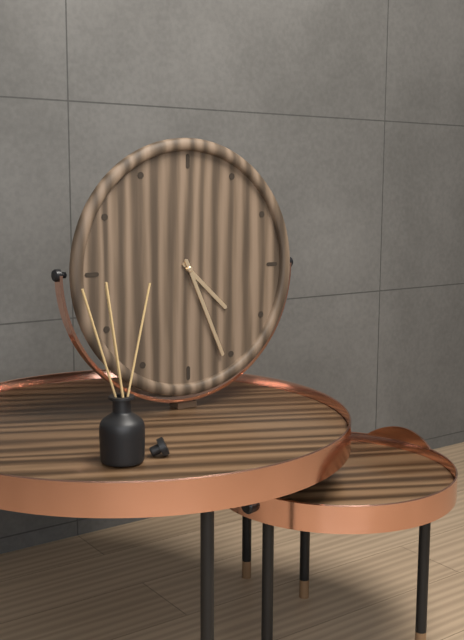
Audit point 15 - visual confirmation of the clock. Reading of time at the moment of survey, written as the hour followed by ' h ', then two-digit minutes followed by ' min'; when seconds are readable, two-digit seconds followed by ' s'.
4 h 26 min
